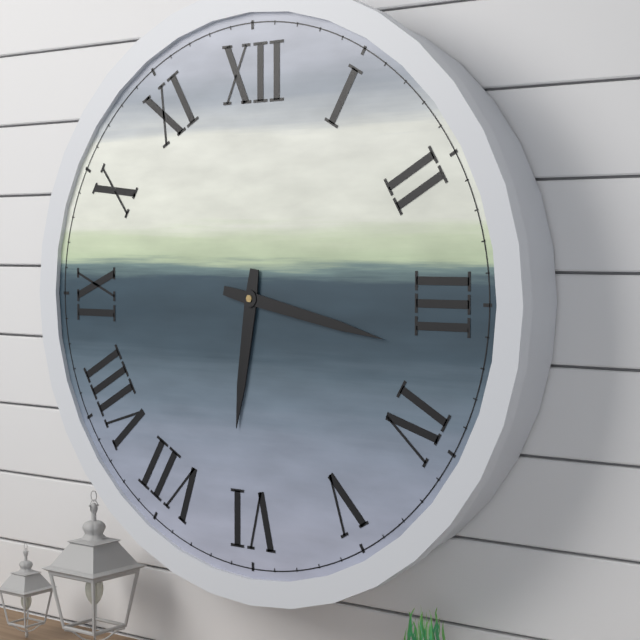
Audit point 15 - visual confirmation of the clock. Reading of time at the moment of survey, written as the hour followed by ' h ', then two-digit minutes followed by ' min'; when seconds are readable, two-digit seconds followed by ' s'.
6 h 17 min
